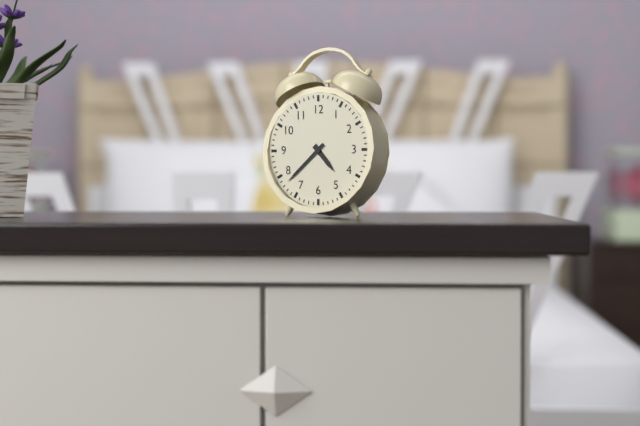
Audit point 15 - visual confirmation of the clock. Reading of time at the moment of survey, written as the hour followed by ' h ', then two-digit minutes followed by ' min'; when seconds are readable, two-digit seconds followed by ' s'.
4 h 38 min
